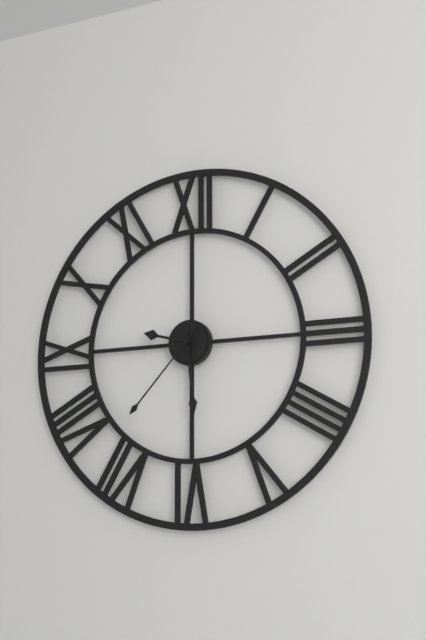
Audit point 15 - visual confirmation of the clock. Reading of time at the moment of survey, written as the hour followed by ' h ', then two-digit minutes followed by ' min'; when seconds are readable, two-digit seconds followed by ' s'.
9 h 29 min 37 s
